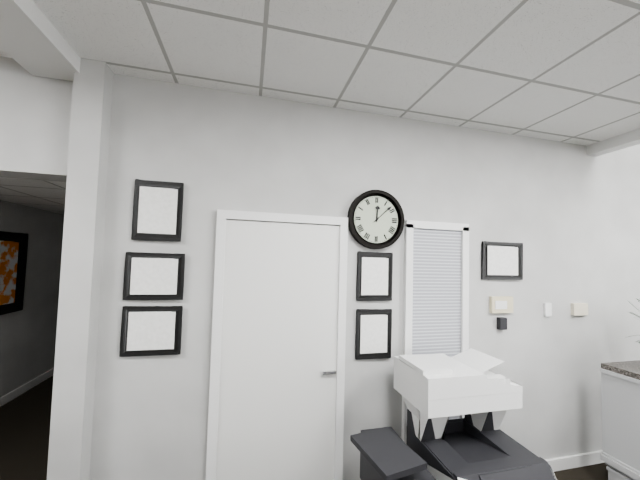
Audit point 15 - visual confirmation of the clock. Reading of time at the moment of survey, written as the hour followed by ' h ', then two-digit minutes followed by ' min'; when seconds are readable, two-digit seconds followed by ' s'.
12 h 08 min
